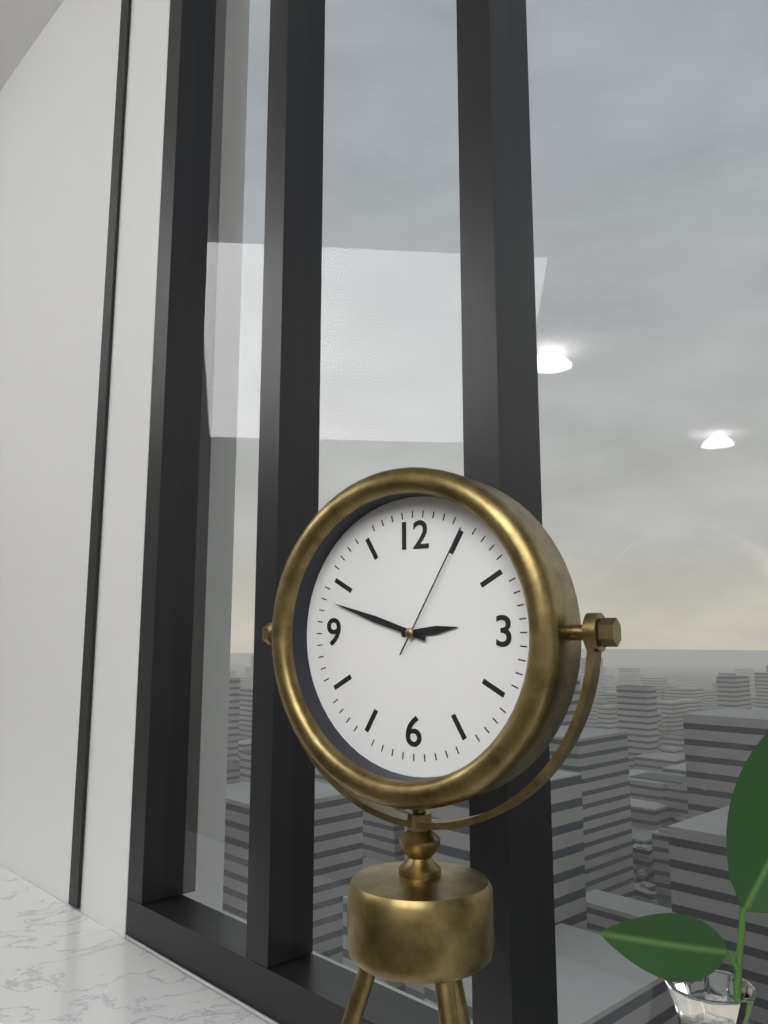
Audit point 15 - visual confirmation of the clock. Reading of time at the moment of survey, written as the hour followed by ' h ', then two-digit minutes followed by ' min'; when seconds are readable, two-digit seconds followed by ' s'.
2 h 48 min 05 s
